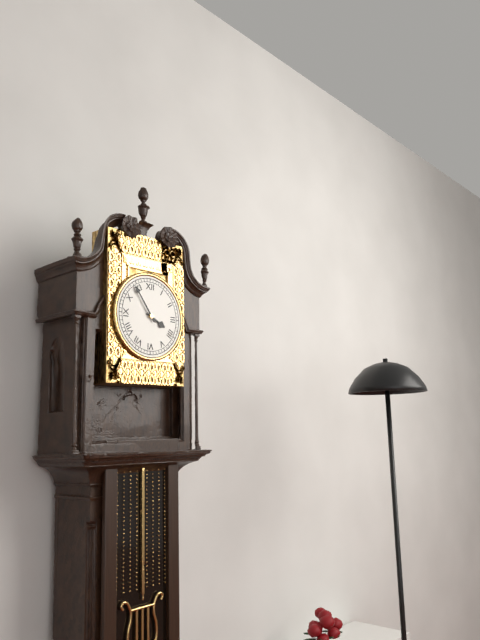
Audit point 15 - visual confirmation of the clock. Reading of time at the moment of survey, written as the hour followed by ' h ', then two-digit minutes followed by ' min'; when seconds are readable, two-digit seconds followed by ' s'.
3 h 54 min
